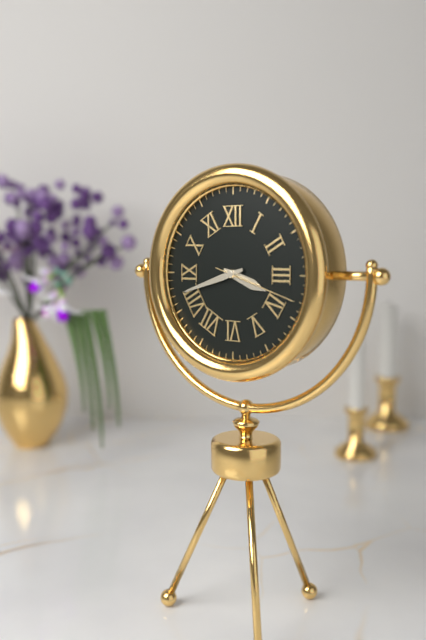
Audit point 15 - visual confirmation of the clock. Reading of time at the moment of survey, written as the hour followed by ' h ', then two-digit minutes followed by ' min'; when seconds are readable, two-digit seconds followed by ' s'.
3 h 42 min 18 s
